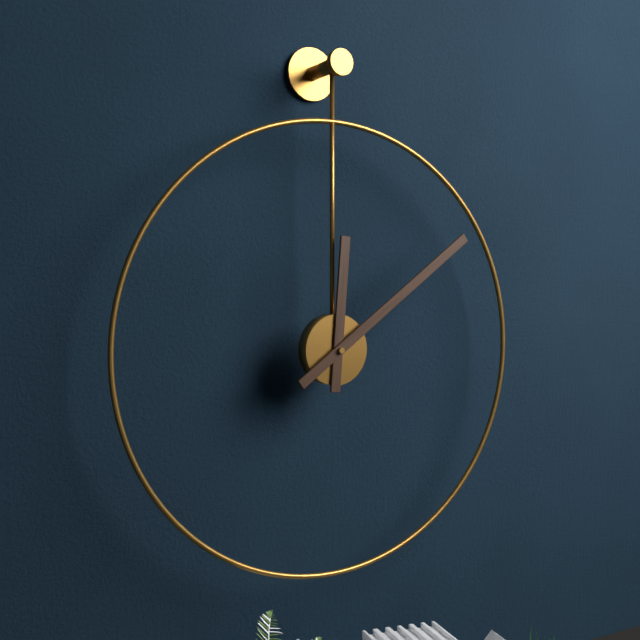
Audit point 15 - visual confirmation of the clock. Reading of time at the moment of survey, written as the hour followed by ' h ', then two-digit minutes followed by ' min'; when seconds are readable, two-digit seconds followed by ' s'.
12 h 09 min
